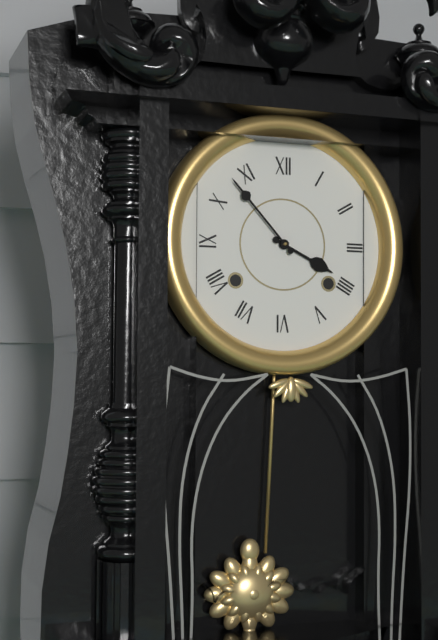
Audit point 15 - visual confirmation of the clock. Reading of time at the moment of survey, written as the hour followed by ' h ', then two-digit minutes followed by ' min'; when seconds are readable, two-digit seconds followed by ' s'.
3 h 53 min
